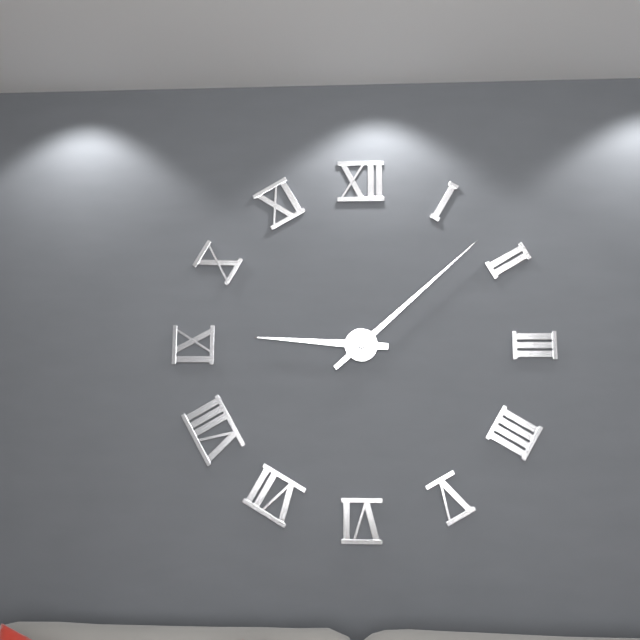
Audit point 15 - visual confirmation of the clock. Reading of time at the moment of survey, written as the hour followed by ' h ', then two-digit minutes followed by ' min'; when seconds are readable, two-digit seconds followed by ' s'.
9 h 08 min
